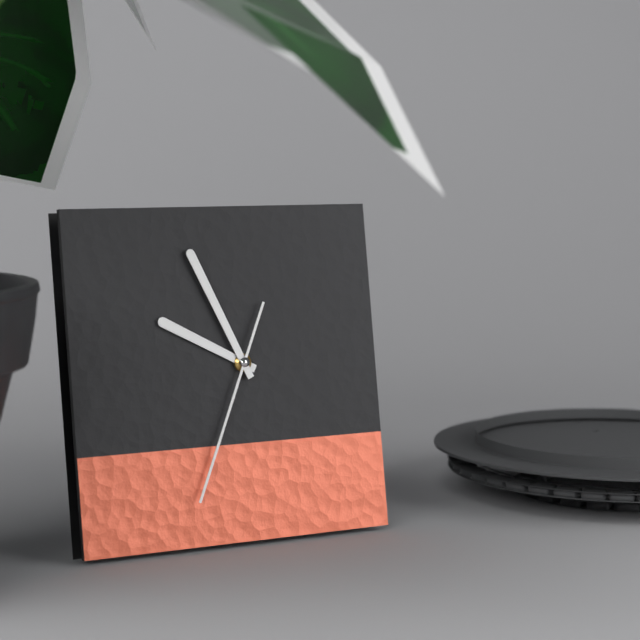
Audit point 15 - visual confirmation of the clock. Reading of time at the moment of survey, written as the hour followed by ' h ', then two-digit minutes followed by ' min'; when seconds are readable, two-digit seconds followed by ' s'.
9 h 56 min 34 s
